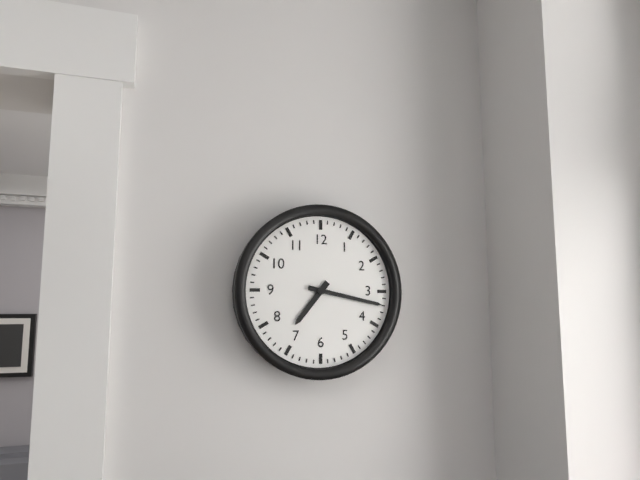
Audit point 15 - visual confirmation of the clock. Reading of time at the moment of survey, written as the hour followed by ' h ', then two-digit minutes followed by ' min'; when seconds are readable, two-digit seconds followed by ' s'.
7 h 17 min
